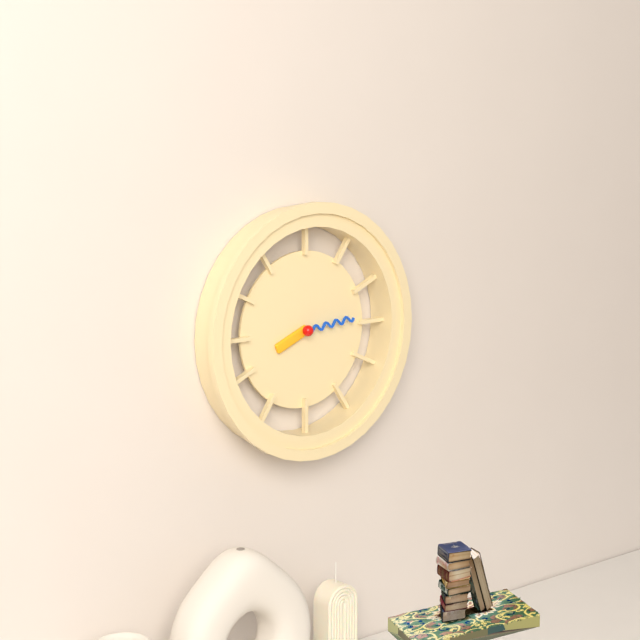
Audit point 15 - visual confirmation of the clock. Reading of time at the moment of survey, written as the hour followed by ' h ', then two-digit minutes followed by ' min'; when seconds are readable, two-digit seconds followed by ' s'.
8 h 14 min
